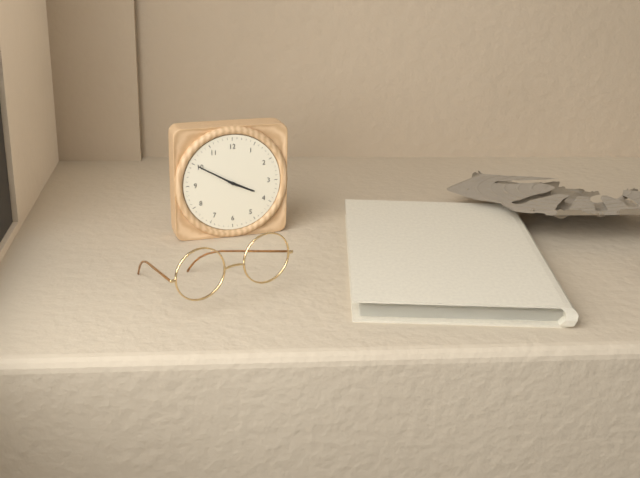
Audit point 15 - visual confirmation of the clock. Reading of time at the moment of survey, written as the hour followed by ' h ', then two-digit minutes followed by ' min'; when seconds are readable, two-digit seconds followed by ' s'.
3 h 50 min
